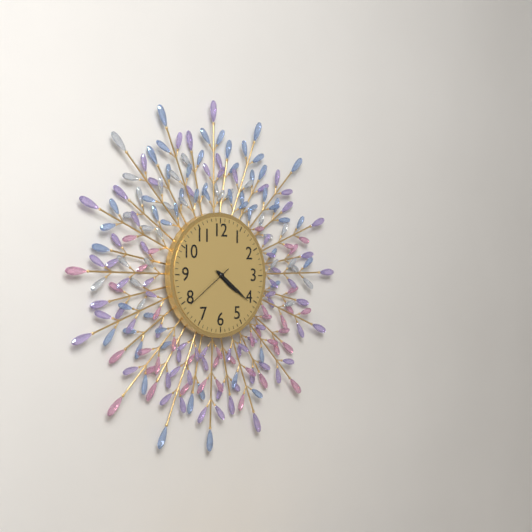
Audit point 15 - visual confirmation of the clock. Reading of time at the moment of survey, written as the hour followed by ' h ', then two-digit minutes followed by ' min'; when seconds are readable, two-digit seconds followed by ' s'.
4 h 21 min
